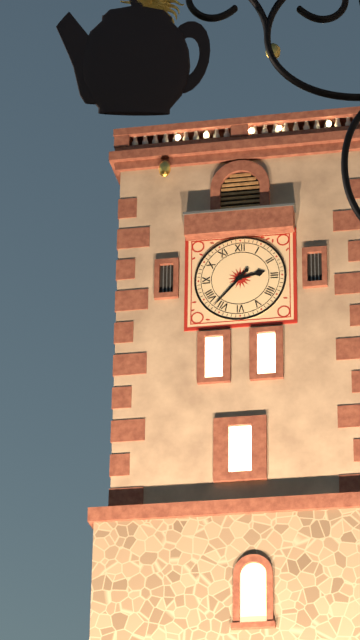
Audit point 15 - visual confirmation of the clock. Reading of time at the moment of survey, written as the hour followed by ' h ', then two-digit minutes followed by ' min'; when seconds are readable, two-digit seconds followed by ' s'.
2 h 37 min
